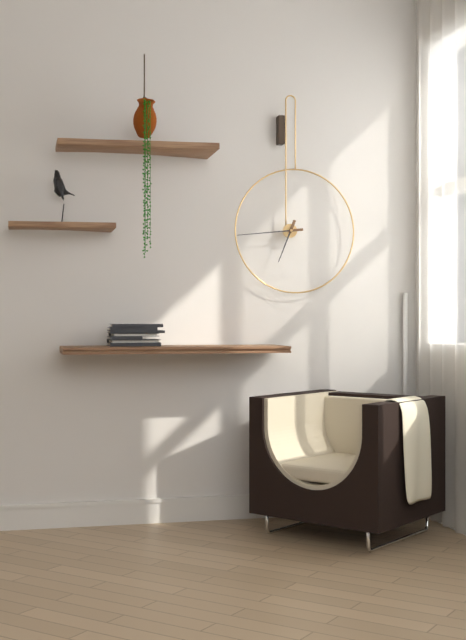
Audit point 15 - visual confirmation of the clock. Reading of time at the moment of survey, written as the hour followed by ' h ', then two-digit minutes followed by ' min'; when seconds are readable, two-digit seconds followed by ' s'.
6 h 44 min
